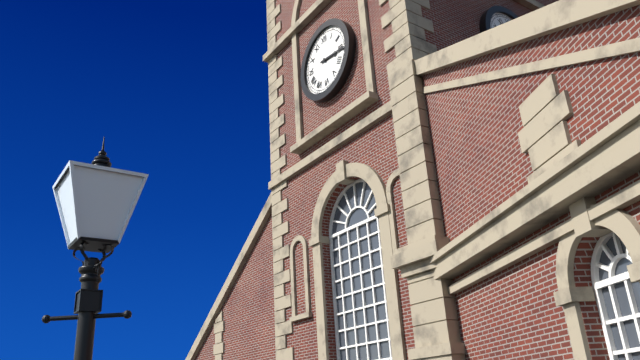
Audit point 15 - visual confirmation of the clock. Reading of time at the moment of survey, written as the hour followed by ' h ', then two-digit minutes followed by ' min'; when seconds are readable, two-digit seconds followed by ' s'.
3 h 16 min
